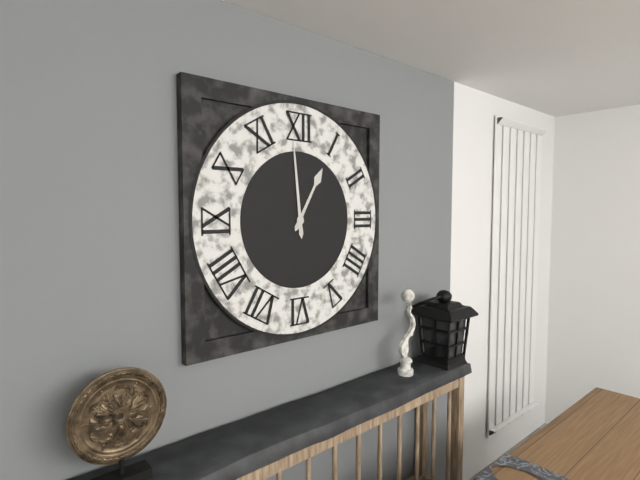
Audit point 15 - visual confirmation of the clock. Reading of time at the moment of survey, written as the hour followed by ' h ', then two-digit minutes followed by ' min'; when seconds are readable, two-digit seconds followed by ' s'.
12 h 59 min
